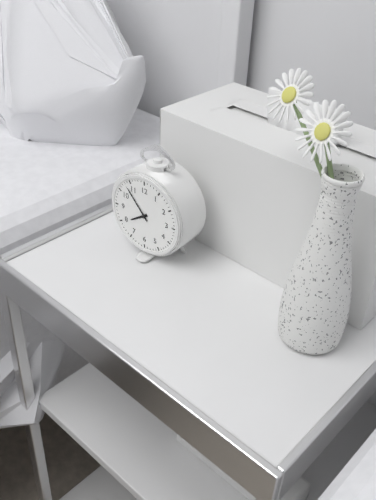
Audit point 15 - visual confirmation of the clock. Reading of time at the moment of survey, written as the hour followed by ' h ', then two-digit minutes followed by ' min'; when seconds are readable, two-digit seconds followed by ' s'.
7 h 53 min
